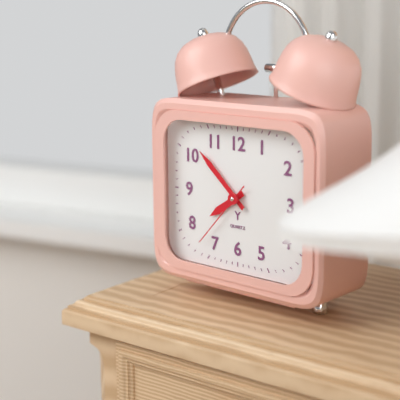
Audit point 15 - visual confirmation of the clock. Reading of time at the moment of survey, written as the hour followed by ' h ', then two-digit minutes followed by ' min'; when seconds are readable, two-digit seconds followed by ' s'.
7 h 52 min 37 s
